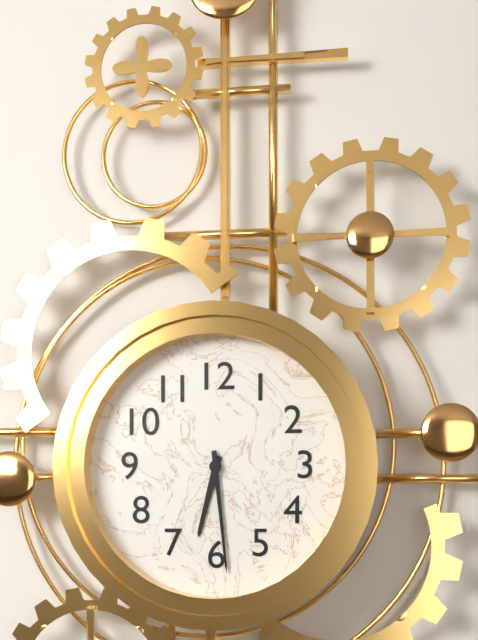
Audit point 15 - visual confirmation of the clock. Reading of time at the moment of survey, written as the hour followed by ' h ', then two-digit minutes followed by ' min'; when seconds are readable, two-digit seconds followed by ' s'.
6 h 29 min
